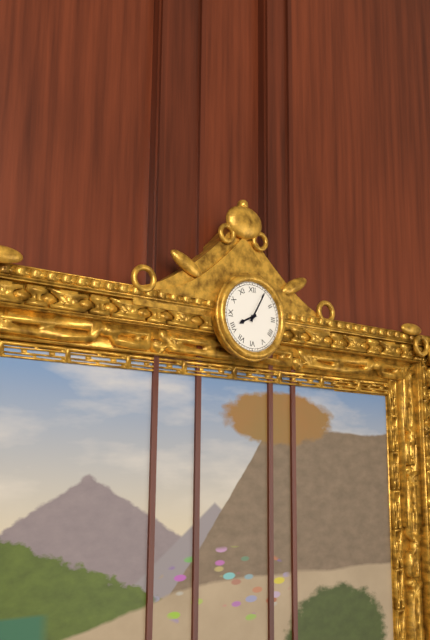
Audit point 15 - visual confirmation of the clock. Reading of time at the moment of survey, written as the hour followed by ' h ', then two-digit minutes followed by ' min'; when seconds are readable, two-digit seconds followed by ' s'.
8 h 05 min
